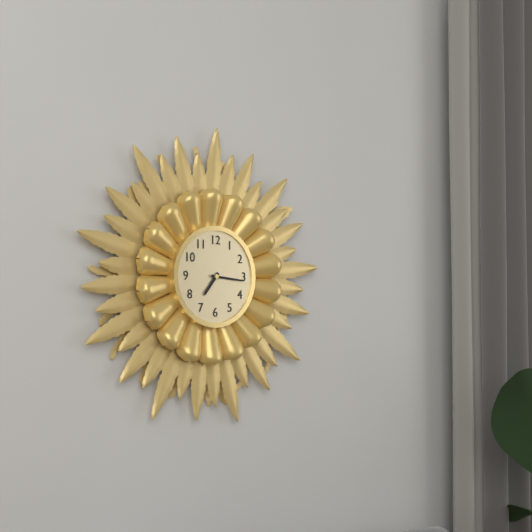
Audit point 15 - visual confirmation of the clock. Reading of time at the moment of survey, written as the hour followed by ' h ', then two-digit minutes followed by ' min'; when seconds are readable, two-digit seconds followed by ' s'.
7 h 16 min
